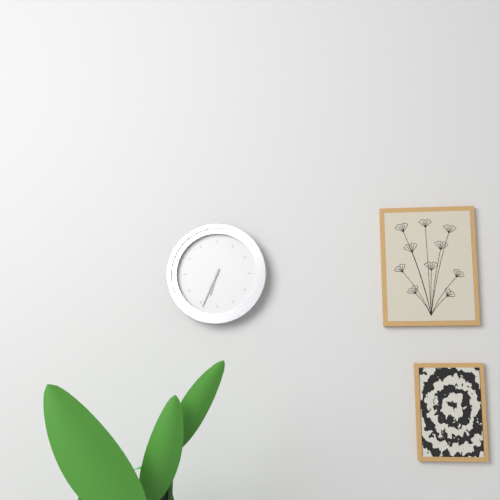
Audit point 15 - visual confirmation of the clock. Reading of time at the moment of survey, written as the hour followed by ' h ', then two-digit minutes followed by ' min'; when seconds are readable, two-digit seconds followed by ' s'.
6 h 34 min
